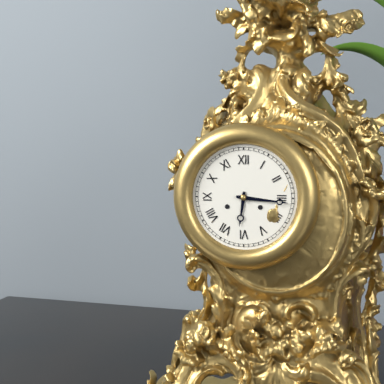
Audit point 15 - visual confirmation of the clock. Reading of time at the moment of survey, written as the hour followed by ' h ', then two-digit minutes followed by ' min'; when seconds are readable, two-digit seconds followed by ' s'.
6 h 16 min
